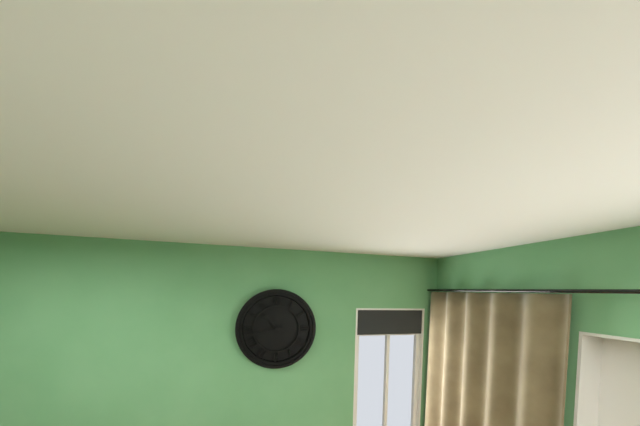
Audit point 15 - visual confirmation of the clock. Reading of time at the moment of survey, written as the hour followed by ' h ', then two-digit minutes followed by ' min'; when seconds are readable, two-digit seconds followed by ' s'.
10 h 43 min
